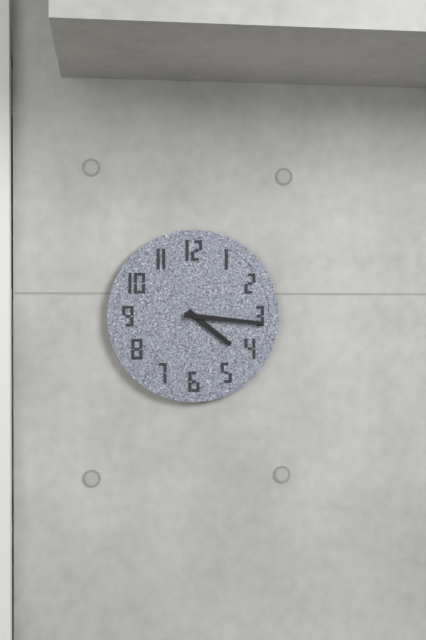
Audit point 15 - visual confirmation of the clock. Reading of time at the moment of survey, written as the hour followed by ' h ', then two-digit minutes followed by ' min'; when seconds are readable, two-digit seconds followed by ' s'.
4 h 16 min
